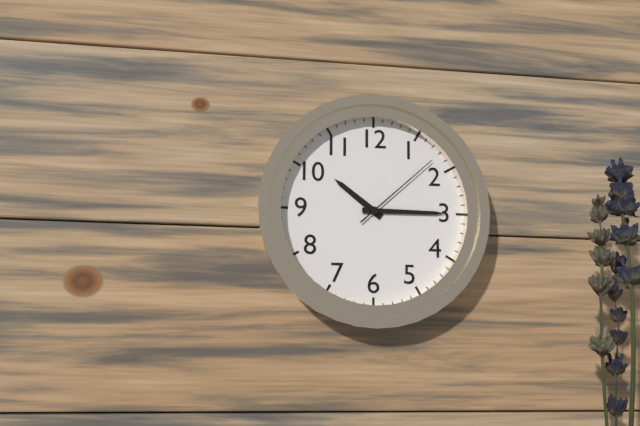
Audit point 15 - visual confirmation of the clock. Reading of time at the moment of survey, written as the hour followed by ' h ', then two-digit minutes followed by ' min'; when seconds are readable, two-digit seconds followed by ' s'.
10 h 15 min 08 s
